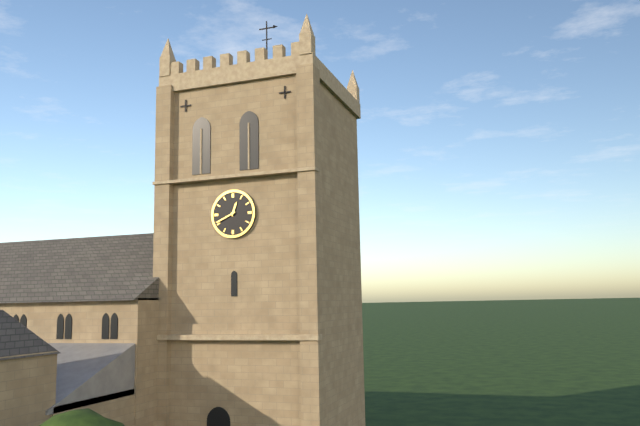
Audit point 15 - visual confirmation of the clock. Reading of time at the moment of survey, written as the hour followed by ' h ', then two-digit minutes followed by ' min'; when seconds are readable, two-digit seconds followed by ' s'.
12 h 41 min
